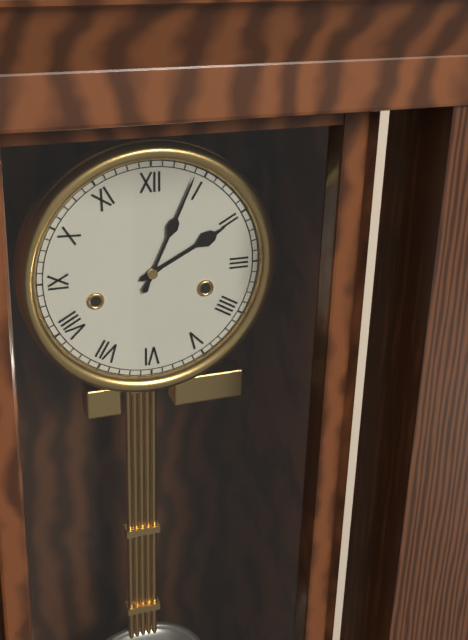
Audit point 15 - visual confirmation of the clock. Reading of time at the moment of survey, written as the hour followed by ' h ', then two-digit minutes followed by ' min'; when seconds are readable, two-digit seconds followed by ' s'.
2 h 04 min
